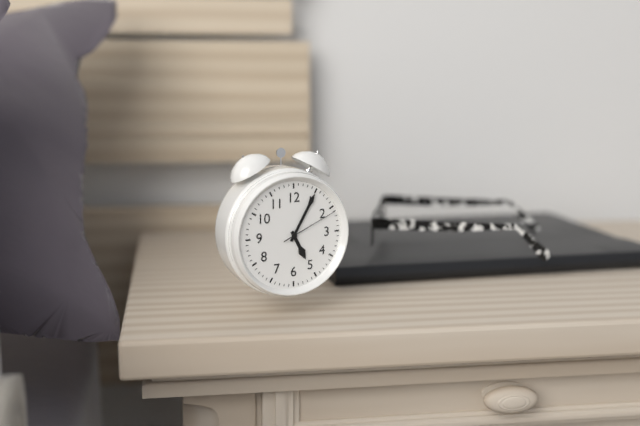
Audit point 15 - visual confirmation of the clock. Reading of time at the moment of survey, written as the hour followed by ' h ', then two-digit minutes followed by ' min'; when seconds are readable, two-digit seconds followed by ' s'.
5 h 05 min 11 s
